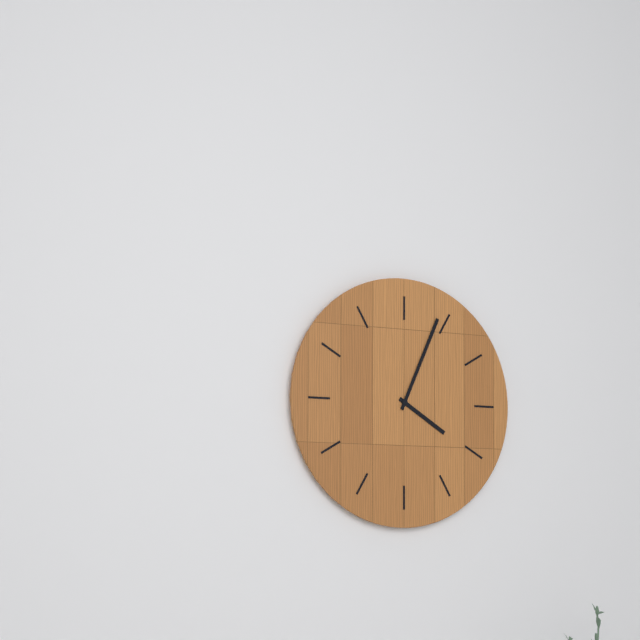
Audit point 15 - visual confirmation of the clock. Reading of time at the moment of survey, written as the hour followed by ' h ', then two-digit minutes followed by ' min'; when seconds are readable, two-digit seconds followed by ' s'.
4 h 04 min
